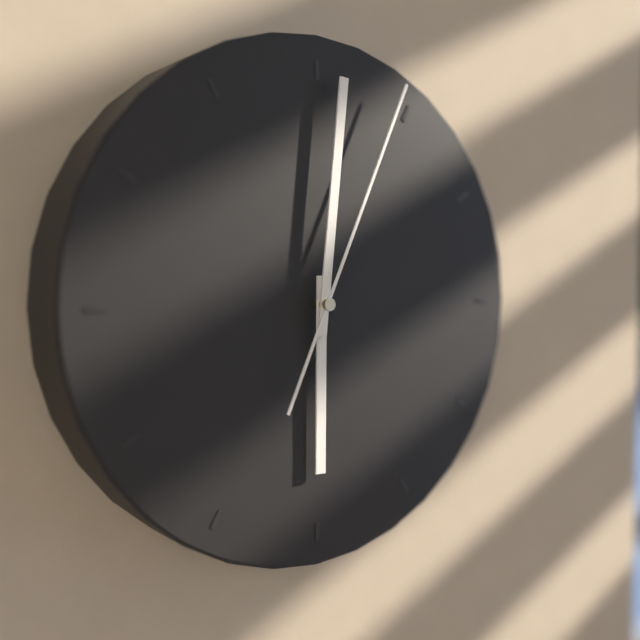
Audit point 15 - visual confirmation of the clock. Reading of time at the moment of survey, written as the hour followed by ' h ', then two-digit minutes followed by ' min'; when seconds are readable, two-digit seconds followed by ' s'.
6 h 01 min 04 s
